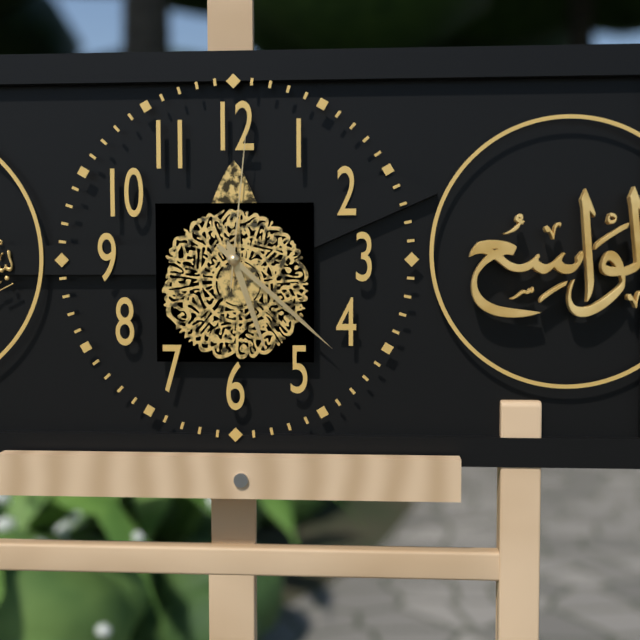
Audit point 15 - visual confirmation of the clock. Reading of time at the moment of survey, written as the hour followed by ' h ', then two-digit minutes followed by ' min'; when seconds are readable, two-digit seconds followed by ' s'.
5 h 22 min 01 s
